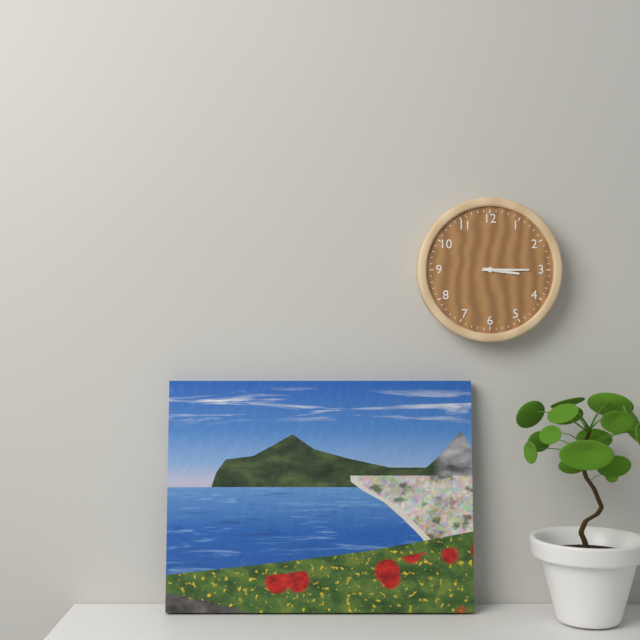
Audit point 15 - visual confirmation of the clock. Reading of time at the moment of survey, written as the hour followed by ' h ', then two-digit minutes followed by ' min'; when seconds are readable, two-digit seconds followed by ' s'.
3 h 15 min
